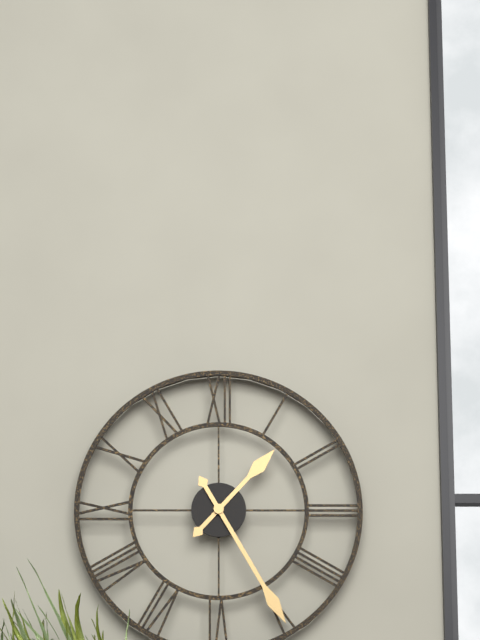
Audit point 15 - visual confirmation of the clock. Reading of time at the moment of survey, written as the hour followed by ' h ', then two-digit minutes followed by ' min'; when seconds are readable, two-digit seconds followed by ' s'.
1 h 25 min
